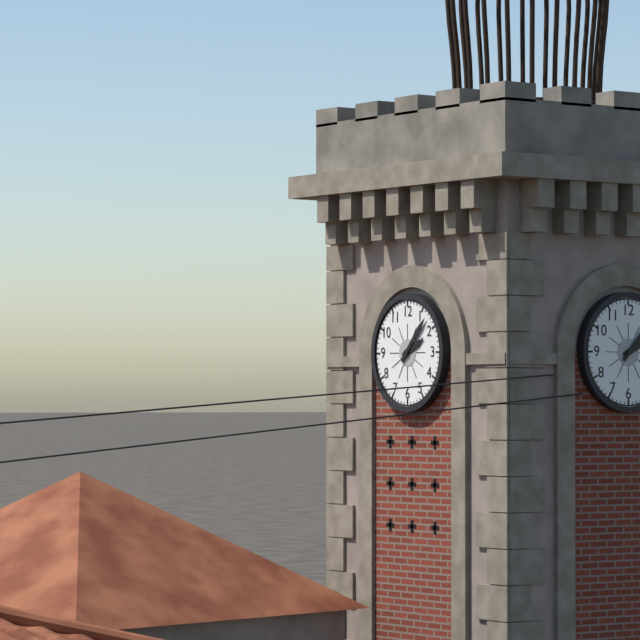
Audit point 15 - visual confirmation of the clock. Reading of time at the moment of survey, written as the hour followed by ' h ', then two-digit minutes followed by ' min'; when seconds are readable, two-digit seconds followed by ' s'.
2 h 07 min
